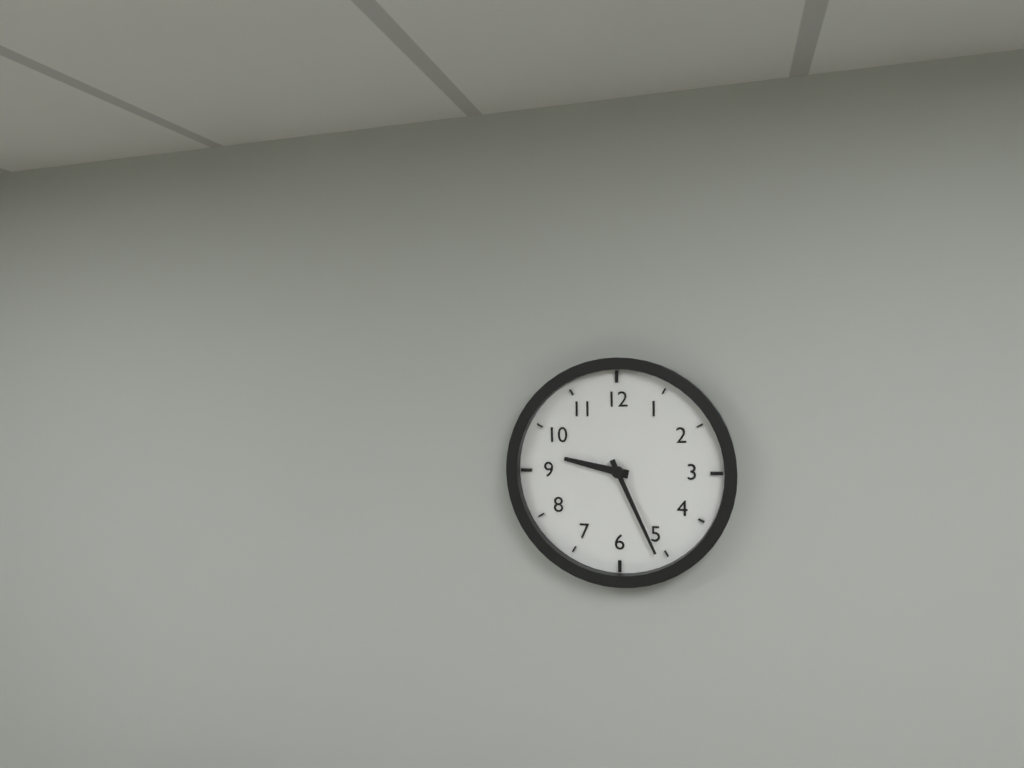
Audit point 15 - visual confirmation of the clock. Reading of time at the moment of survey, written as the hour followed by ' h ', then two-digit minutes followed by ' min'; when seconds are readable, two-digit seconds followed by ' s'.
9 h 26 min
